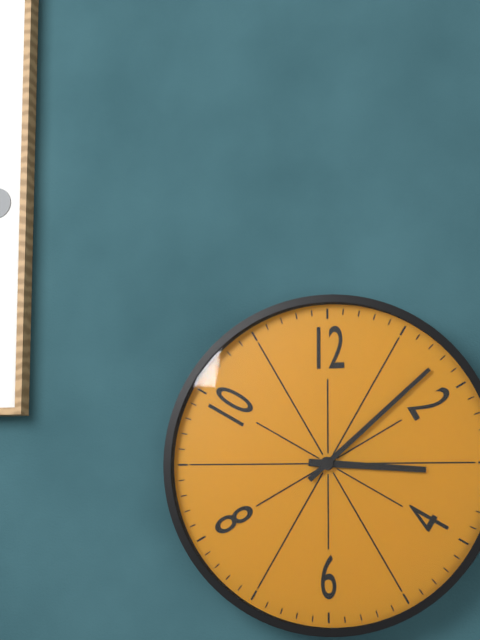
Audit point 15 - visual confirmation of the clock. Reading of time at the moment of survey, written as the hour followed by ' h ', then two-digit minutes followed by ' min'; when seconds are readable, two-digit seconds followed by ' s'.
3 h 08 min
